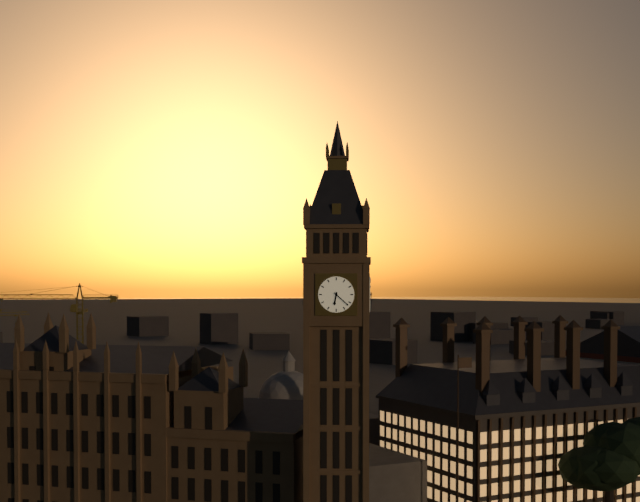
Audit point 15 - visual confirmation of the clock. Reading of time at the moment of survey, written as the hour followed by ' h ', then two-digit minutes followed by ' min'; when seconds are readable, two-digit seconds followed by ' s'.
6 h 22 min
